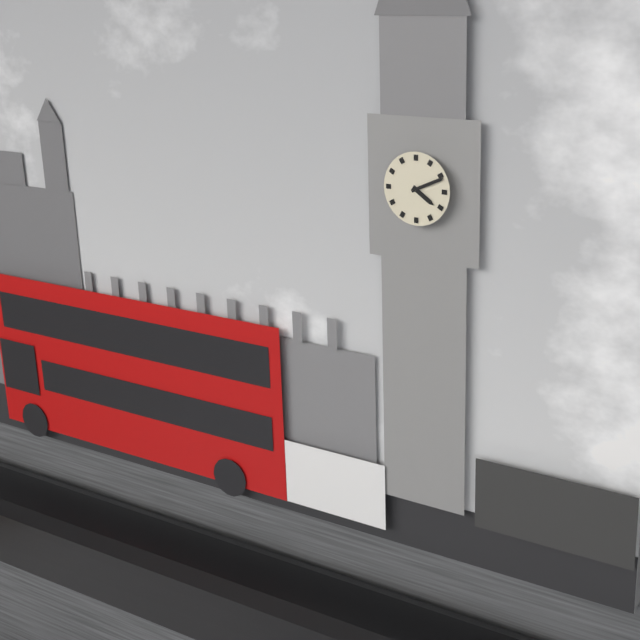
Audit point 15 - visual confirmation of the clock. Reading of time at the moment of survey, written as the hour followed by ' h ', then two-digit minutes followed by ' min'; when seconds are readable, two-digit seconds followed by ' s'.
4 h 11 min
